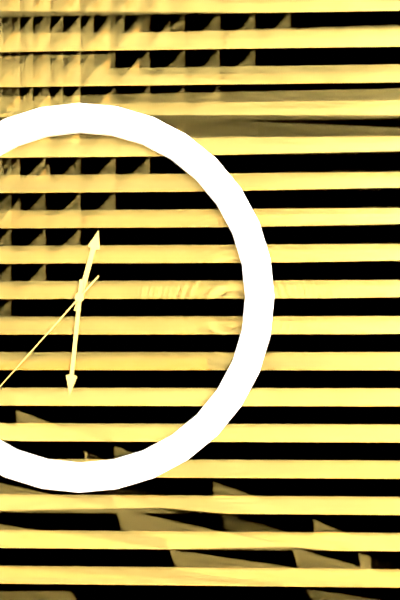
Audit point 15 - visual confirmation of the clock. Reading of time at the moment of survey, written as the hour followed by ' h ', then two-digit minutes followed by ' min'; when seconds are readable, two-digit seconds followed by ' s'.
12 h 31 min
